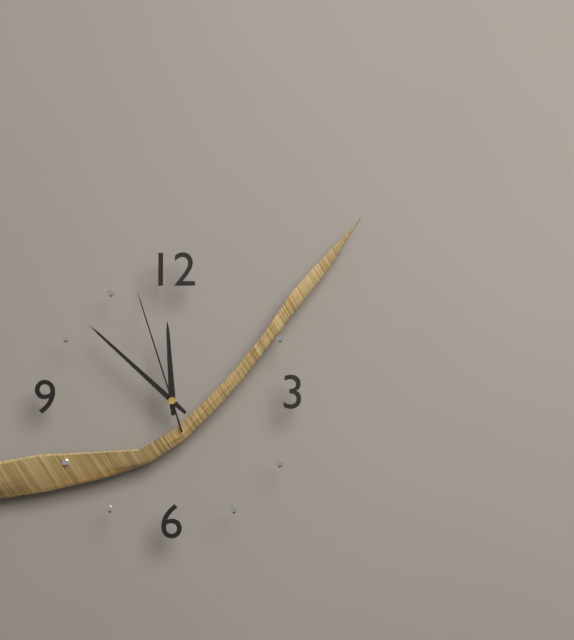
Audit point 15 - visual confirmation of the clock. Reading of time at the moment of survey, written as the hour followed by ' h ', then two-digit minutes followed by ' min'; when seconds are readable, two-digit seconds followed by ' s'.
11 h 52 min 57 s
